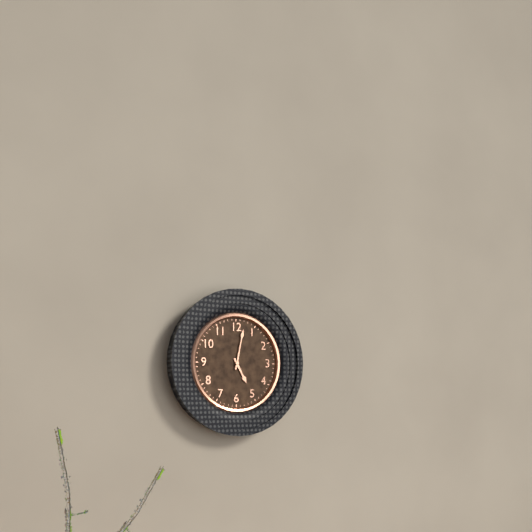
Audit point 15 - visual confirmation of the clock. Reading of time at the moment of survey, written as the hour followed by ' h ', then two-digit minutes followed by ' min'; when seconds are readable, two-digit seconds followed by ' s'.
5 h 02 min
